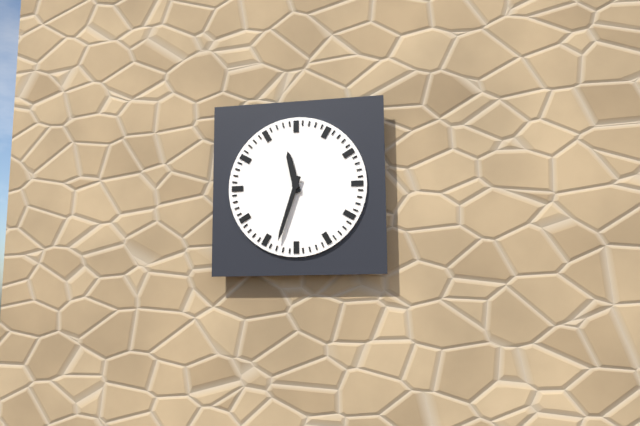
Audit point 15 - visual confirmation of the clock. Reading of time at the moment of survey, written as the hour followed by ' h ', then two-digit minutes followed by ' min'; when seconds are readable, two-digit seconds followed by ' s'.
11 h 33 min
